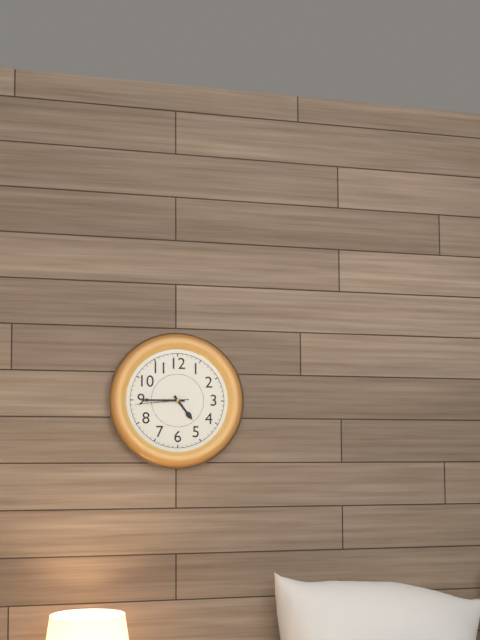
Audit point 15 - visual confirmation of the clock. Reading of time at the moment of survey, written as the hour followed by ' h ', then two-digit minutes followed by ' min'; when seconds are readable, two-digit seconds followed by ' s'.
4 h 45 min 44 s
